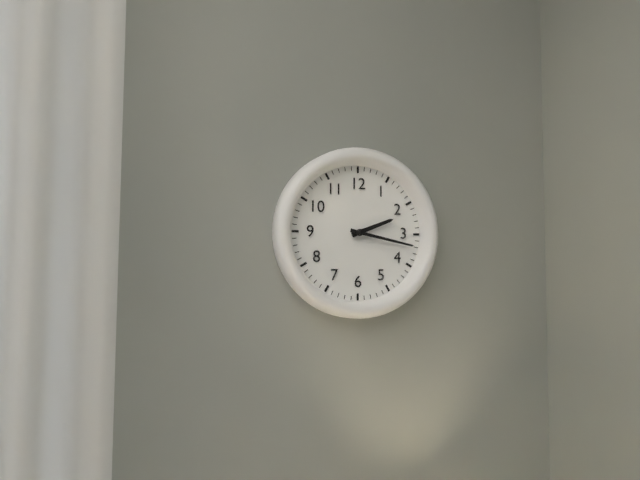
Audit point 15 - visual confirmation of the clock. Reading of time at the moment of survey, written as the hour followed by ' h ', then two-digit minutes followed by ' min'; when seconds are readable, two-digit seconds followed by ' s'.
2 h 17 min
